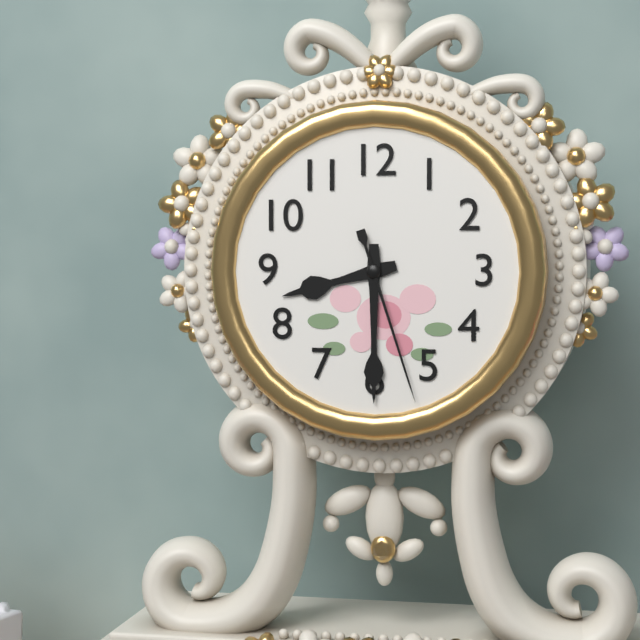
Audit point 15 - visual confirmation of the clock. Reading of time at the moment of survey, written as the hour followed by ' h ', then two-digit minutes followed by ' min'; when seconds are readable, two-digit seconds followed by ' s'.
8 h 30 min 27 s
